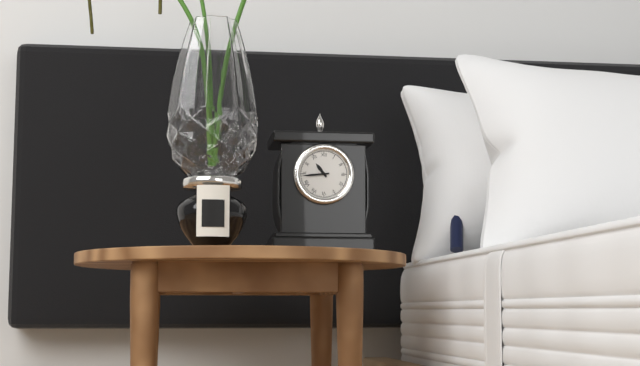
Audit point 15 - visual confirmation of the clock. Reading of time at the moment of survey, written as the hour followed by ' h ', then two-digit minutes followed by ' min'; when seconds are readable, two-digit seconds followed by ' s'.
10 h 44 min
